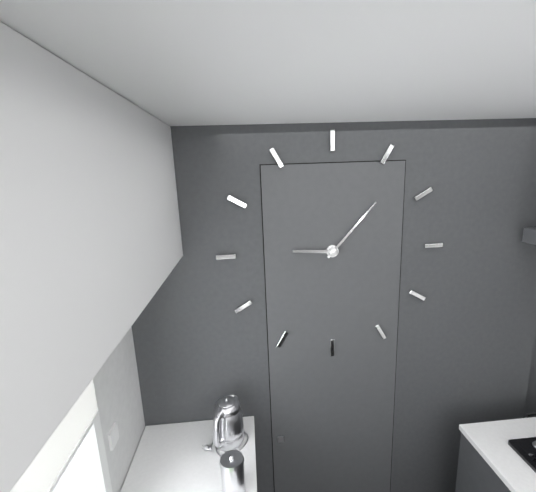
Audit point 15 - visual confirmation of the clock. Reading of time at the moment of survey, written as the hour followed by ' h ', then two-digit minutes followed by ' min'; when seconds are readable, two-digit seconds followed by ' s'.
9 h 07 min
